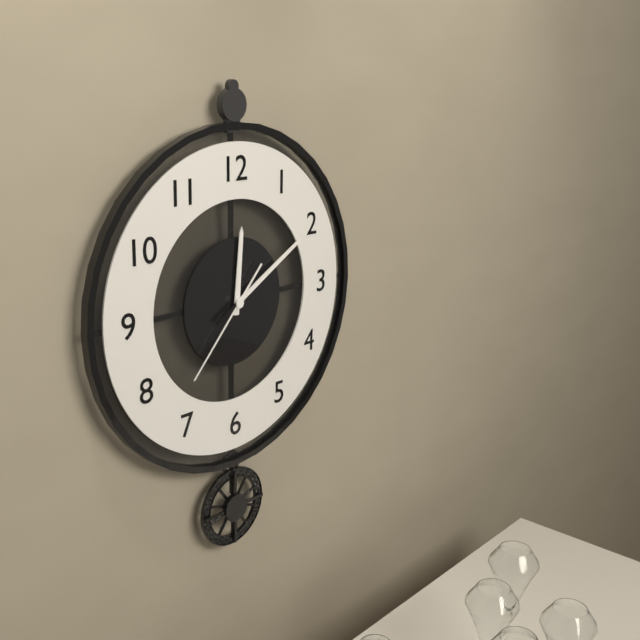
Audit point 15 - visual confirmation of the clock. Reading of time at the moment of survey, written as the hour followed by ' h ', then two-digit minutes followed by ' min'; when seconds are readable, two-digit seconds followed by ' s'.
12 h 10 min 37 s
